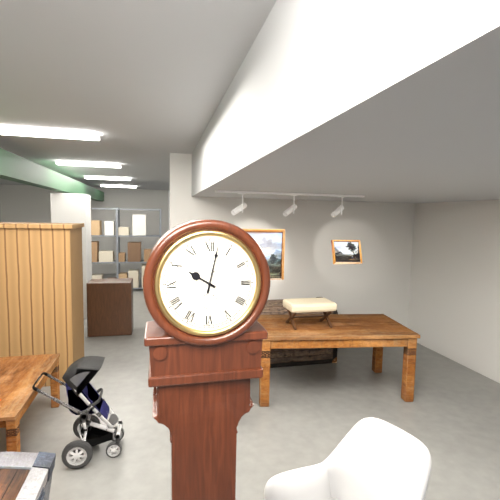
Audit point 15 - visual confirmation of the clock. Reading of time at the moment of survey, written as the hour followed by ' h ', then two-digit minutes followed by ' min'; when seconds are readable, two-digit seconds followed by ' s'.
10 h 02 min
